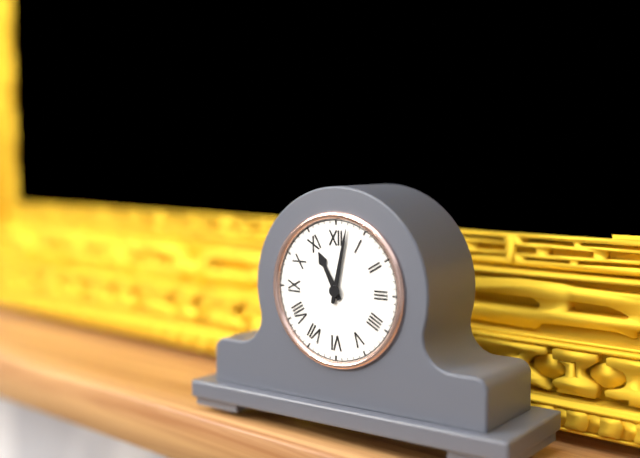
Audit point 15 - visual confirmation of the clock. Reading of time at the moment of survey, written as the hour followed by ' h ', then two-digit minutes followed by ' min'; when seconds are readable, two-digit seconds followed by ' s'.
11 h 02 min
